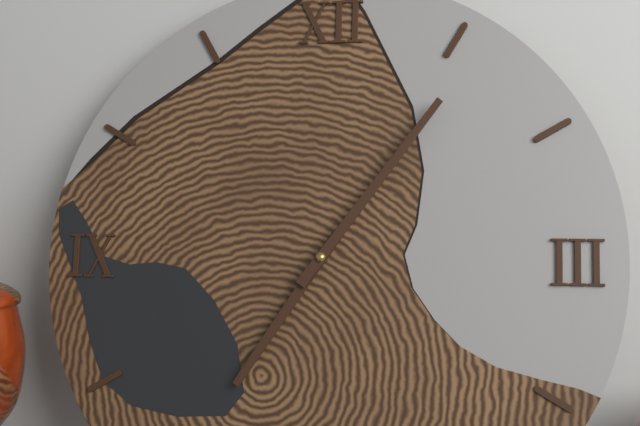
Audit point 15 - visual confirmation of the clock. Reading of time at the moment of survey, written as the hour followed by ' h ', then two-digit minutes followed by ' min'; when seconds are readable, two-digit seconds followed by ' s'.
7 h 06 min
